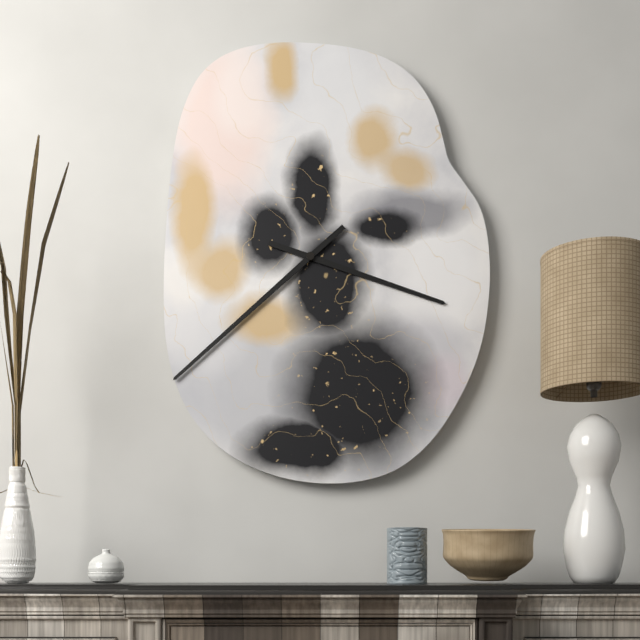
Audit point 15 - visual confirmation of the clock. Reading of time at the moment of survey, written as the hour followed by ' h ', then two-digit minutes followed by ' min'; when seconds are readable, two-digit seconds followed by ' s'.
3 h 38 min
